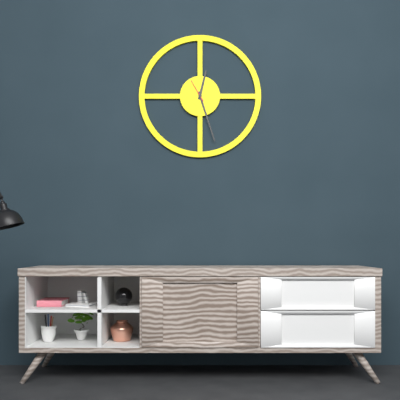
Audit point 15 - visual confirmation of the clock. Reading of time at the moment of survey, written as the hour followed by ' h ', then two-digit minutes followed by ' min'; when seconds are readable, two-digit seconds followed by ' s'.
12 h 27 min
